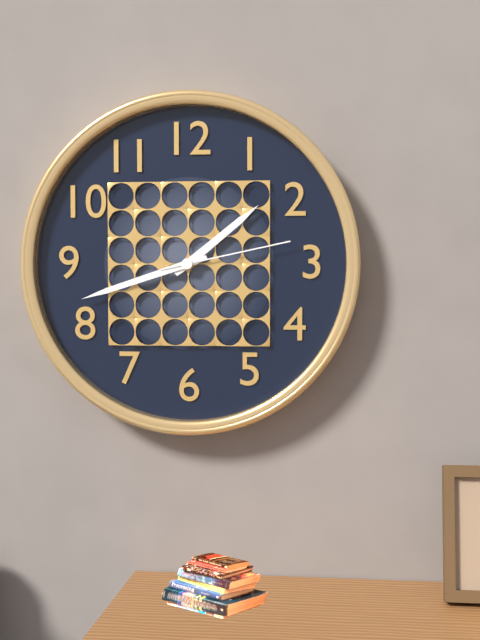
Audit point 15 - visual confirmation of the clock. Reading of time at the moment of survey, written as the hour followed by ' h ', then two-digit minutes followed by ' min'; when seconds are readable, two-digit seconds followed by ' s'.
1 h 42 min 13 s
